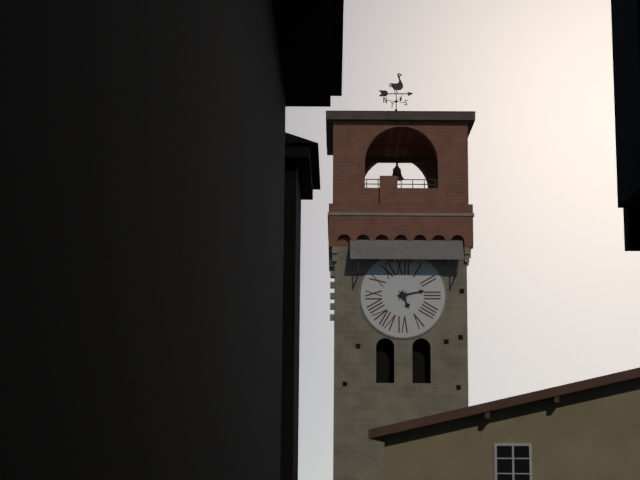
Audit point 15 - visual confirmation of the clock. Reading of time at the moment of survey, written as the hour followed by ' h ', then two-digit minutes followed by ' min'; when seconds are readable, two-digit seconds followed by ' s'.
5 h 13 min
